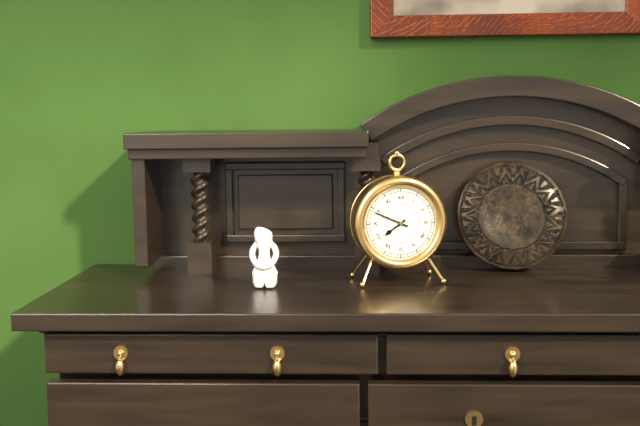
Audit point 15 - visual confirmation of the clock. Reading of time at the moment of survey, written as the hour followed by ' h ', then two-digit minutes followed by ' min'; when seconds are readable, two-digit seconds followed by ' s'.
7 h 49 min
